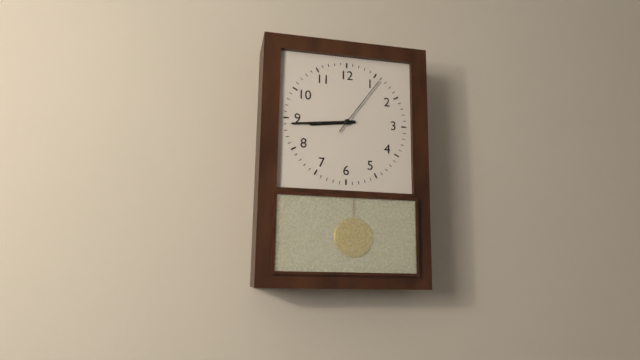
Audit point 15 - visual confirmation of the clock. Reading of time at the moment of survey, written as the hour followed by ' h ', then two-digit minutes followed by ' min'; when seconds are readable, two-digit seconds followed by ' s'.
8 h 44 min 06 s
